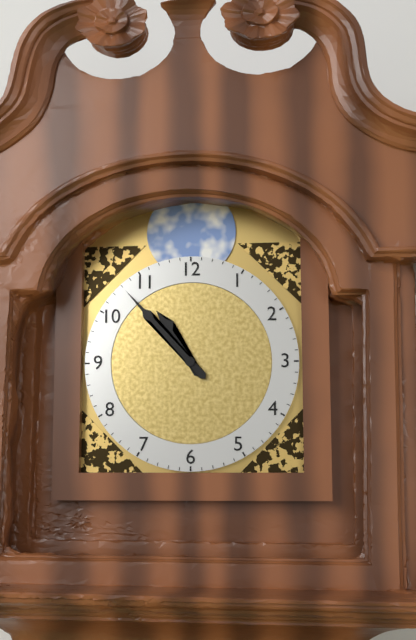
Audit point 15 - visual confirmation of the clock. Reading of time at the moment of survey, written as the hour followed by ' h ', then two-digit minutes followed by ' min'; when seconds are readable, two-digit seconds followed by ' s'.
10 h 53 min
